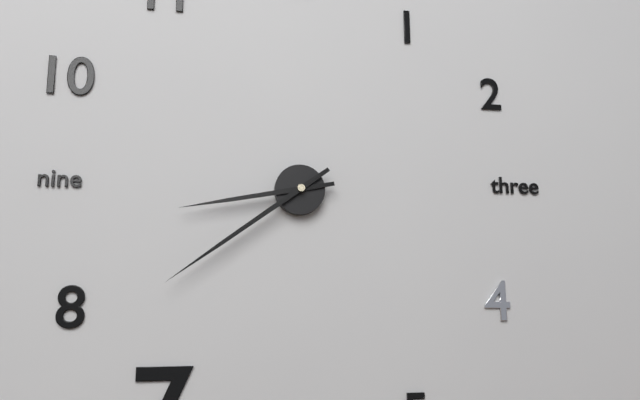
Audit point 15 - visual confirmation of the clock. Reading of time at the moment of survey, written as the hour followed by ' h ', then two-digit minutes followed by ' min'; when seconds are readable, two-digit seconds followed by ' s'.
8 h 39 min
